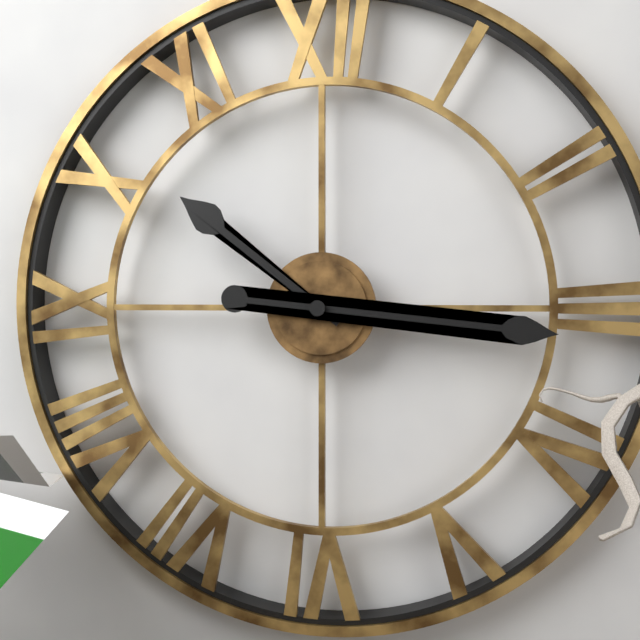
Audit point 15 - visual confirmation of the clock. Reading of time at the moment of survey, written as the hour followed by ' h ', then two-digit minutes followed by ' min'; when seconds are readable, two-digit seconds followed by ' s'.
10 h 16 min
